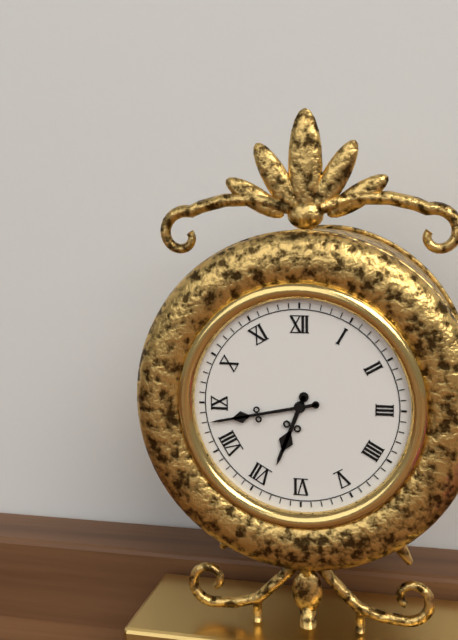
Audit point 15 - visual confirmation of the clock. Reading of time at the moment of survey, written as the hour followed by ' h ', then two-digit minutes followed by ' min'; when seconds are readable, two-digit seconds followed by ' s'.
6 h 43 min
